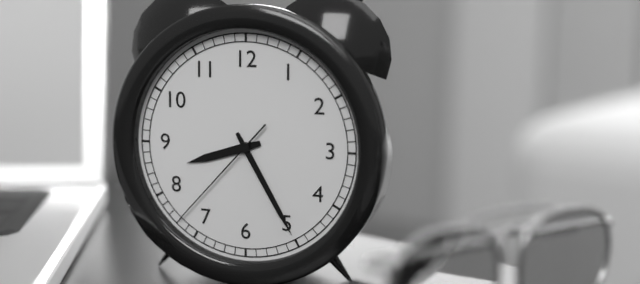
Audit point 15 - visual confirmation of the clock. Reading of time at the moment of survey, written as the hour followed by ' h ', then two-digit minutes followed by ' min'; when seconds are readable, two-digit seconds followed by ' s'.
8 h 25 min 37 s
